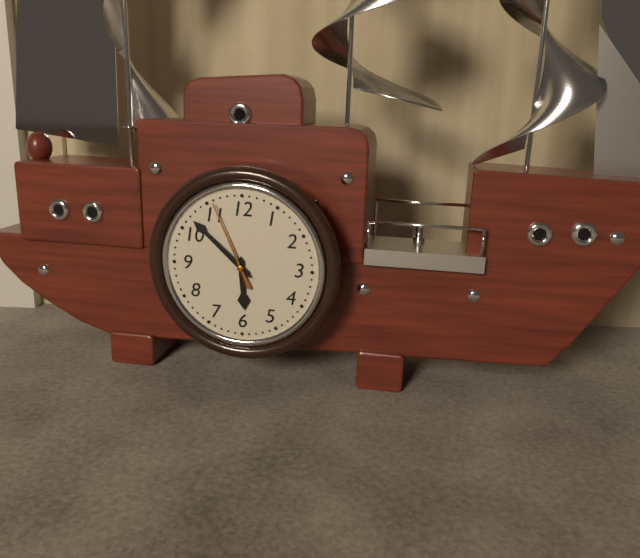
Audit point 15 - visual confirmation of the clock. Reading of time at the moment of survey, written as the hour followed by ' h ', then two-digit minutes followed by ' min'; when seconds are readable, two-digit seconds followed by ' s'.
5 h 52 min 56 s
